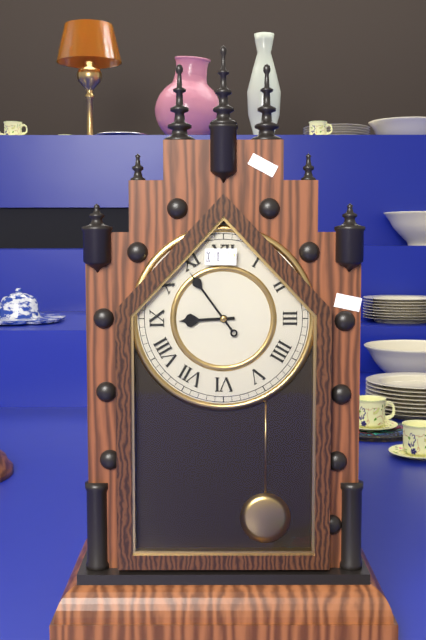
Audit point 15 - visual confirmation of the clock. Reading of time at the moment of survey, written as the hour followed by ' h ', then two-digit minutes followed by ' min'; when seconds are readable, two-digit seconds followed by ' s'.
8 h 54 min
